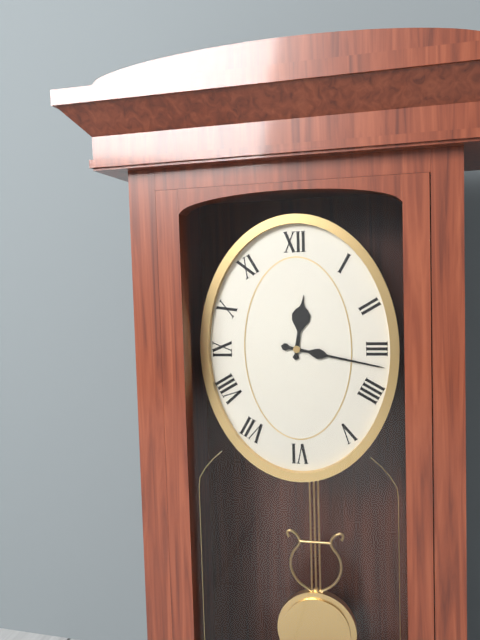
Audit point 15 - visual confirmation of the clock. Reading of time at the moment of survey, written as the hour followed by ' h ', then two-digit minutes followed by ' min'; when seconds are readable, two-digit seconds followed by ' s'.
12 h 17 min
